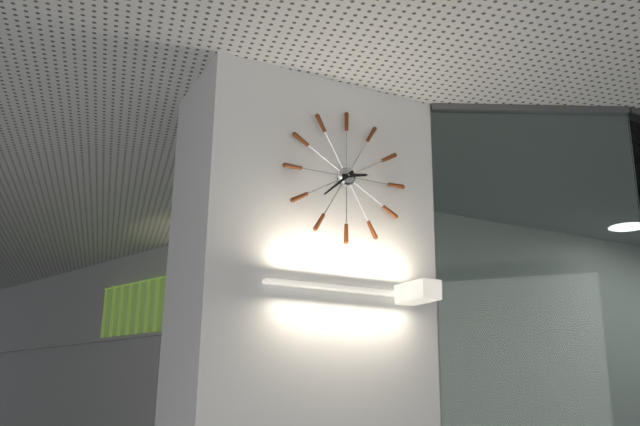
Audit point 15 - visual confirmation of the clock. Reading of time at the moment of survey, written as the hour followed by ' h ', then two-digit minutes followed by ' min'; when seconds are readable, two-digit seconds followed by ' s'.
2 h 38 min
